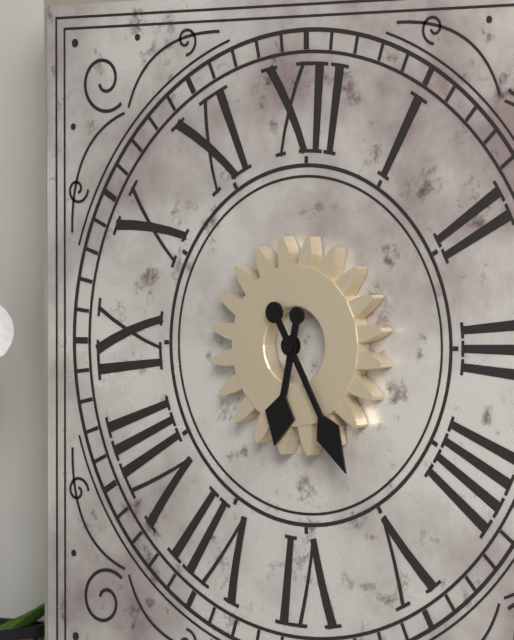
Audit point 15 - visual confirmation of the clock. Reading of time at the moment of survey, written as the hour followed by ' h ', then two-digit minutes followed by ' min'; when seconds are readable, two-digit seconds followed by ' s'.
6 h 25 min
